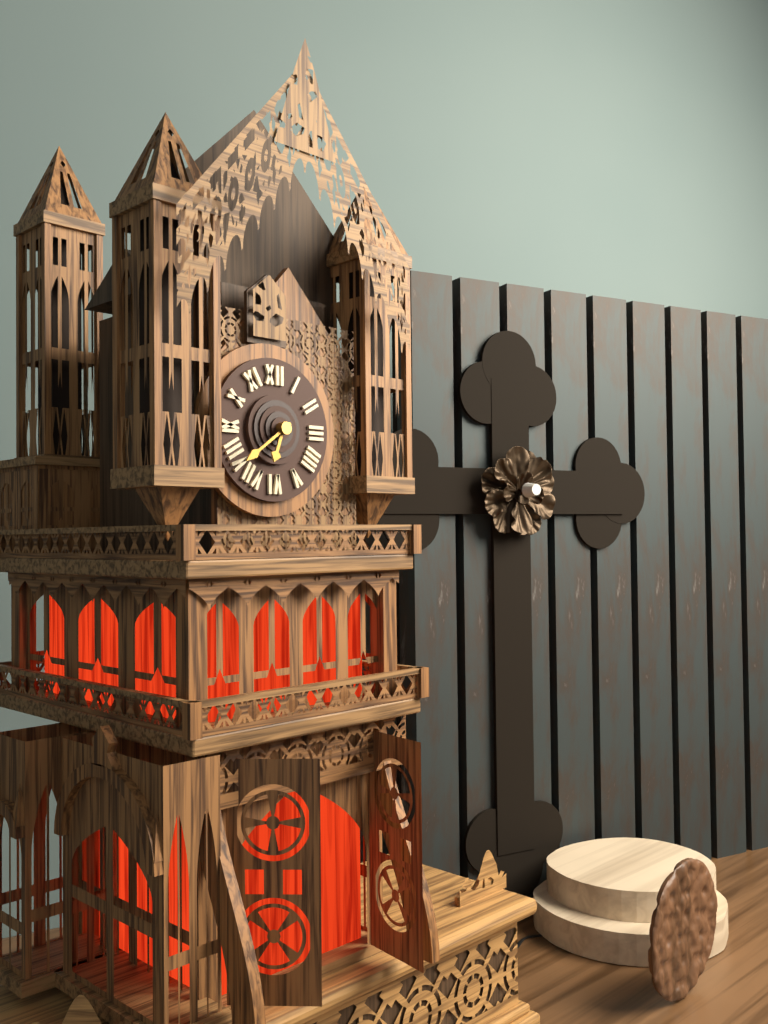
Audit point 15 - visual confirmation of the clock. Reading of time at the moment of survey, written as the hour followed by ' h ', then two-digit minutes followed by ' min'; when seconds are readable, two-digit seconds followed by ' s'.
6 h 39 min
